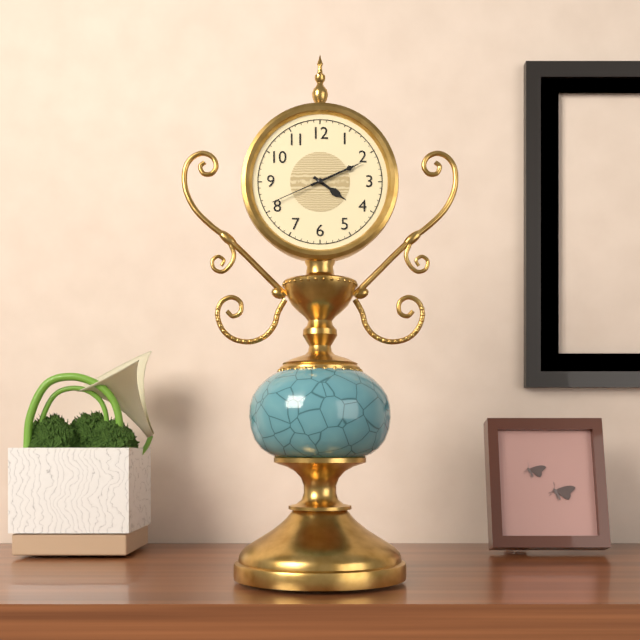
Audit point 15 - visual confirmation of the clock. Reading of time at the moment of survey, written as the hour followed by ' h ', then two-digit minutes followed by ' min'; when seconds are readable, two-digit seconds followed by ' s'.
4 h 11 min 41 s
